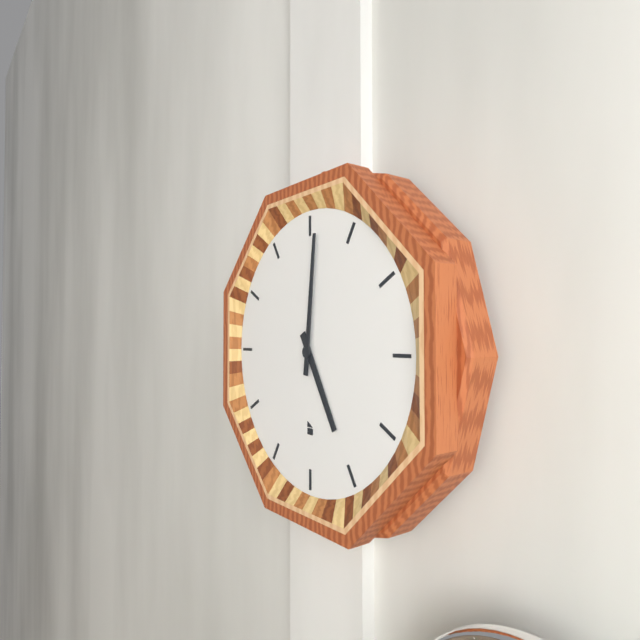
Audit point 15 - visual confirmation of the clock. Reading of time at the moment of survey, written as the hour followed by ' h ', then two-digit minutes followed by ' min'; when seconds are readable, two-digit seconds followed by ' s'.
5 h 01 min
